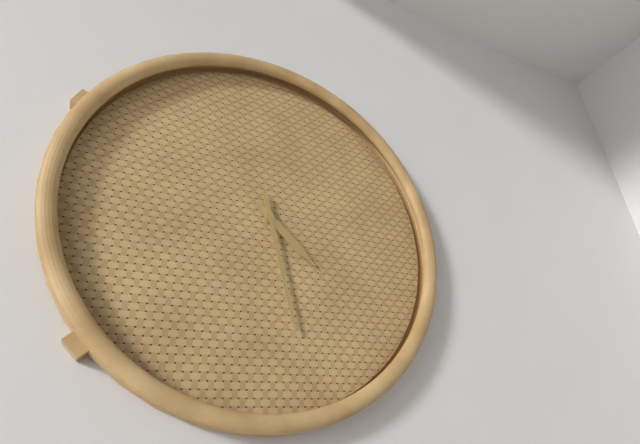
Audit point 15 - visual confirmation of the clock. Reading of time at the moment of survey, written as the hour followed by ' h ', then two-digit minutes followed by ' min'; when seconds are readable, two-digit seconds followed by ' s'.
4 h 28 min
